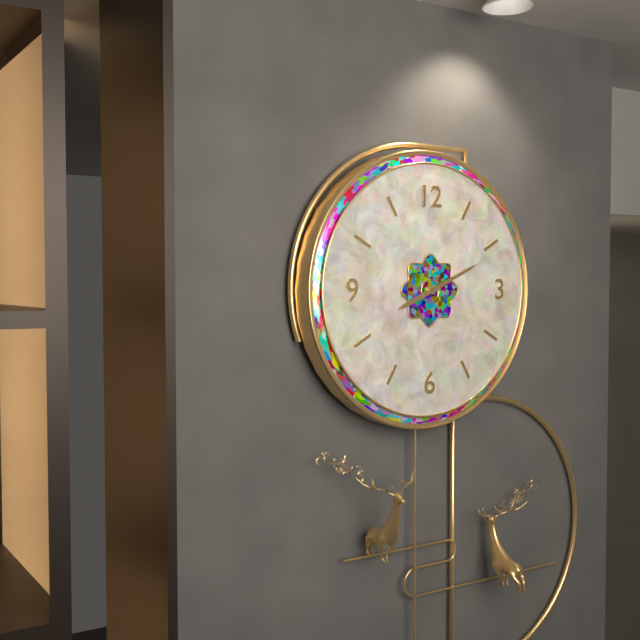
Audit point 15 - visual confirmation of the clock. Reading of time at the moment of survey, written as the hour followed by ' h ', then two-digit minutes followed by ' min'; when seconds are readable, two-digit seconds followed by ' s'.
8 h 11 min
